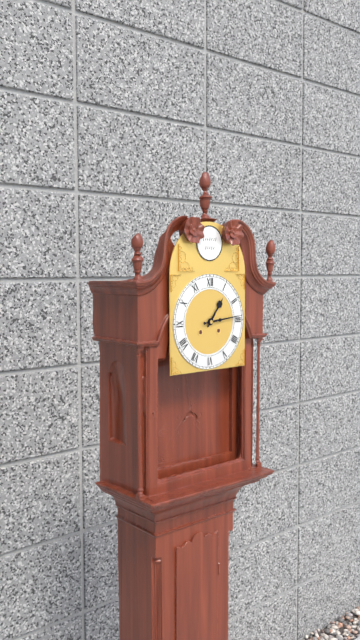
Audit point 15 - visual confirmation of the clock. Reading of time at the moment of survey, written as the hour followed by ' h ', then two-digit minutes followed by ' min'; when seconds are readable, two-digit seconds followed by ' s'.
1 h 14 min
